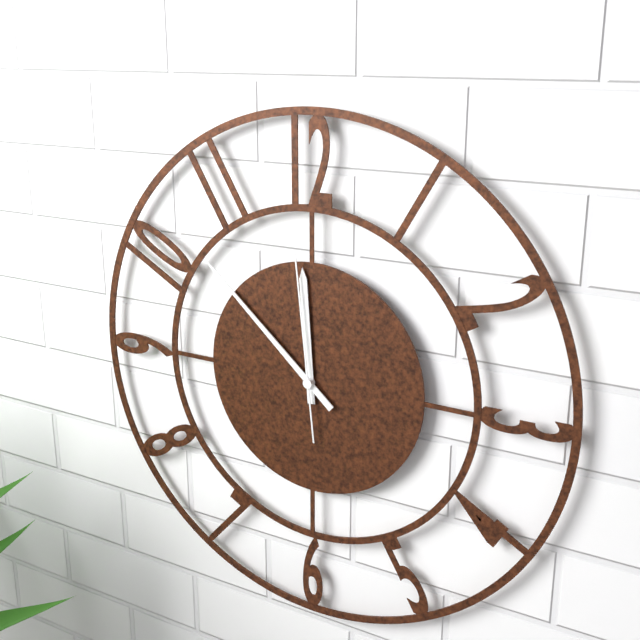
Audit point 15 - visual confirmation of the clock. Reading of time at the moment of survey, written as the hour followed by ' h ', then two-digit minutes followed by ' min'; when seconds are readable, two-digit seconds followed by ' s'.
11 h 52 min 59 s
